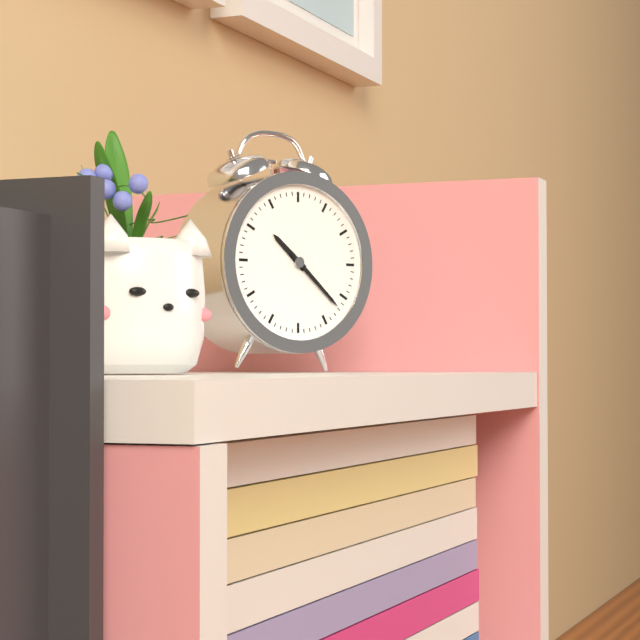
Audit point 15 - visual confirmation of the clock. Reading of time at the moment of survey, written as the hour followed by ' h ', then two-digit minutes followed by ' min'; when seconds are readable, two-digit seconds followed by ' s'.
10 h 22 min
